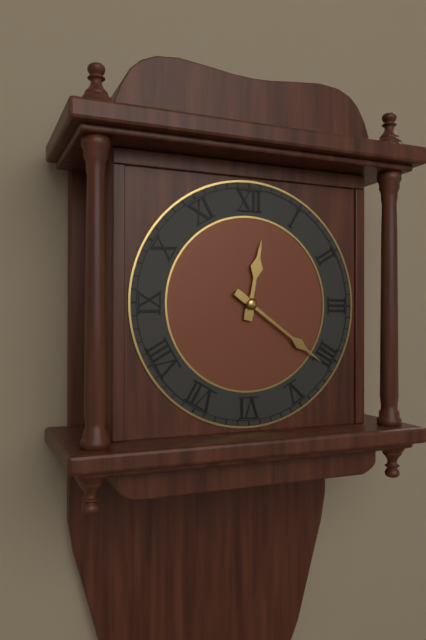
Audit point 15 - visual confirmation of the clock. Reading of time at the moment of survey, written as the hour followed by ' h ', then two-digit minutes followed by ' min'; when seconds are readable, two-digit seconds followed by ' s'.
12 h 21 min
